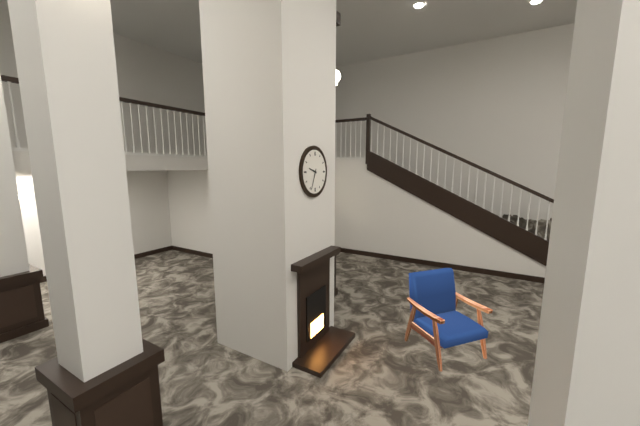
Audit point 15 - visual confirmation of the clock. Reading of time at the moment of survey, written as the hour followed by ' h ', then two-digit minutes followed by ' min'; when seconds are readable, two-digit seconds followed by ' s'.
9 h 34 min
